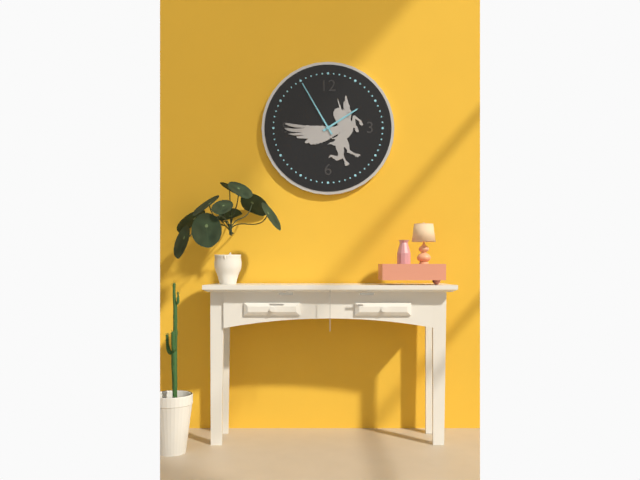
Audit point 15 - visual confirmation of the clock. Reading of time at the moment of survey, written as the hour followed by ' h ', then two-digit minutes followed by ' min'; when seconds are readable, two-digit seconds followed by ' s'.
1 h 55 min
